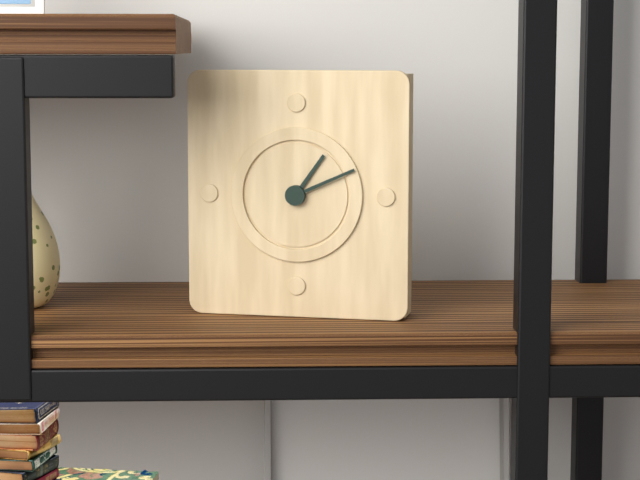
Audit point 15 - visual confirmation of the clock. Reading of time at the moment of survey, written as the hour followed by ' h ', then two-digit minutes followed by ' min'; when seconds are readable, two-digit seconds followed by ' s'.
1 h 11 min
